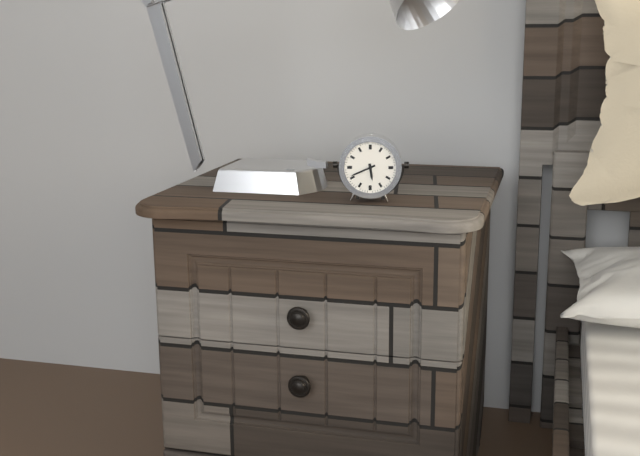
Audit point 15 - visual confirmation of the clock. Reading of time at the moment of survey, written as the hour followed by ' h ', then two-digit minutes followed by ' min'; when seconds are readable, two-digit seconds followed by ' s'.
5 h 41 min
